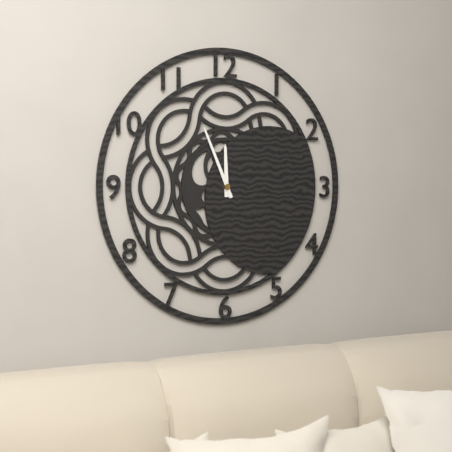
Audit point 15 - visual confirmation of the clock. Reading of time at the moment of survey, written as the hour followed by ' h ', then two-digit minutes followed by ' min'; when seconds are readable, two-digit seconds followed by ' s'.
11 h 56 min
